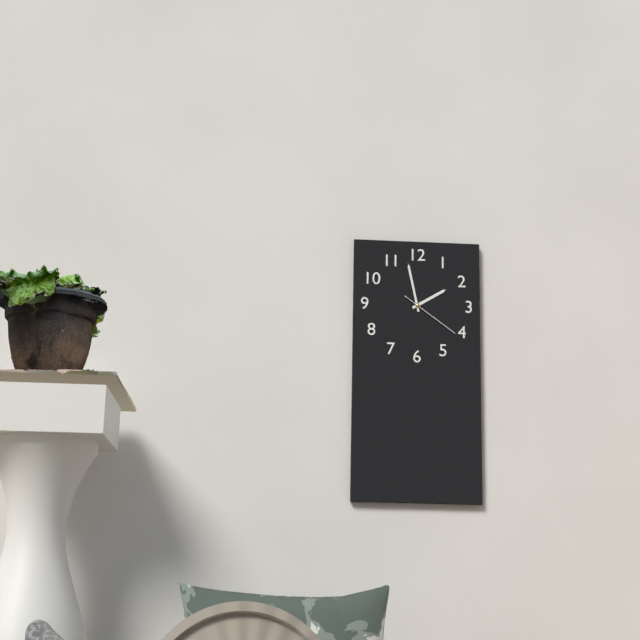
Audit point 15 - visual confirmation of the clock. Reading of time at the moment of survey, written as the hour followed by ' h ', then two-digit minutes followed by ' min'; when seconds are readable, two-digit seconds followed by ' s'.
1 h 58 min 21 s
